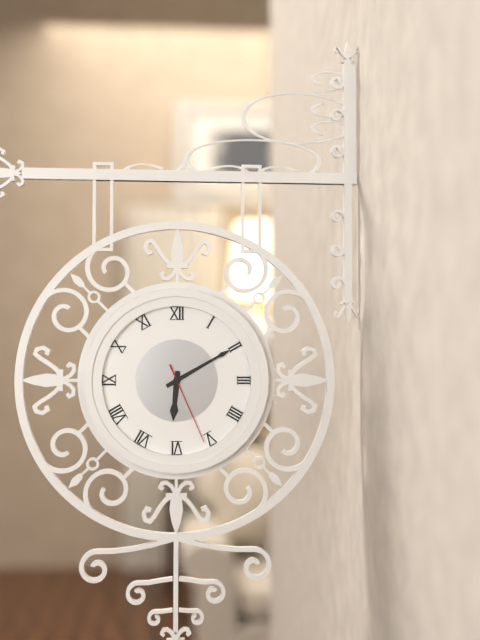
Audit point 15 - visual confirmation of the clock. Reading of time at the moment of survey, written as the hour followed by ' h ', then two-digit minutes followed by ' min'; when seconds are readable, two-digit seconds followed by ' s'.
6 h 10 min 26 s
